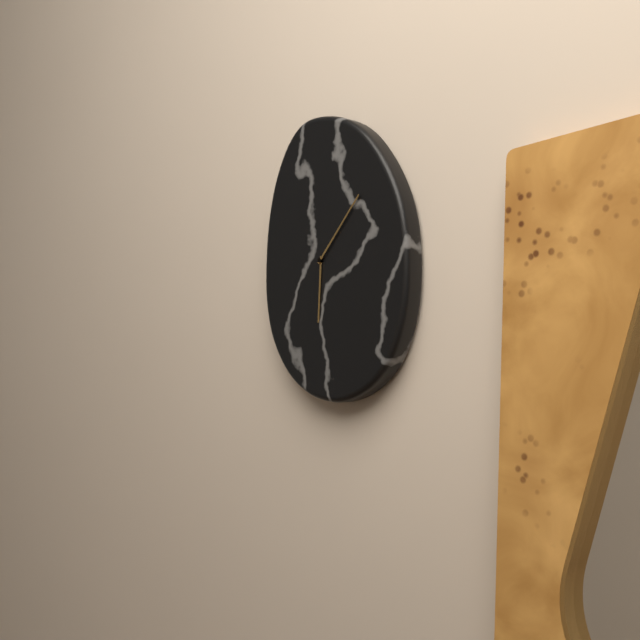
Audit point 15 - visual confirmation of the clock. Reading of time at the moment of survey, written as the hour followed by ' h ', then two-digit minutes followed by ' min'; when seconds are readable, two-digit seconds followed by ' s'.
6 h 07 min
